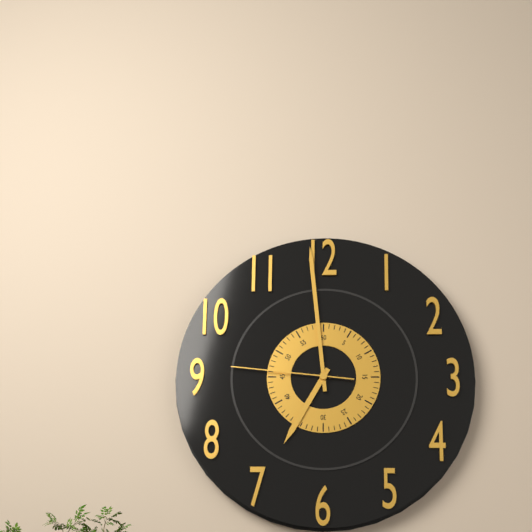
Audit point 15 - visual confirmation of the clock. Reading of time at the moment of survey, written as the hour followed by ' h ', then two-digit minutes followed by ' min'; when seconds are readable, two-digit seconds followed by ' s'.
6 h 59 min 46 s
